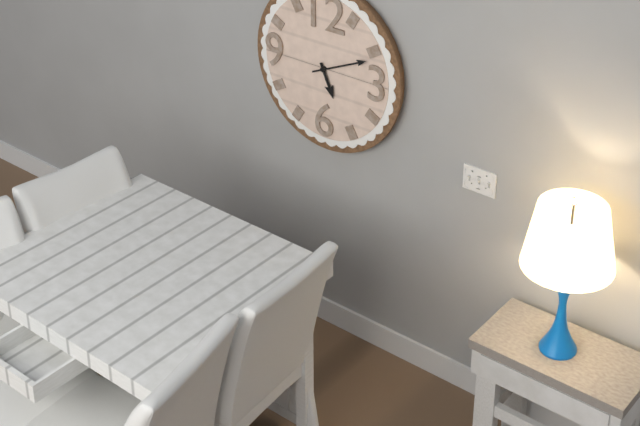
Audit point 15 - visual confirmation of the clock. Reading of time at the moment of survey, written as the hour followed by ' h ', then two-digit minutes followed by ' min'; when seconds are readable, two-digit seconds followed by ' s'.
5 h 11 min
